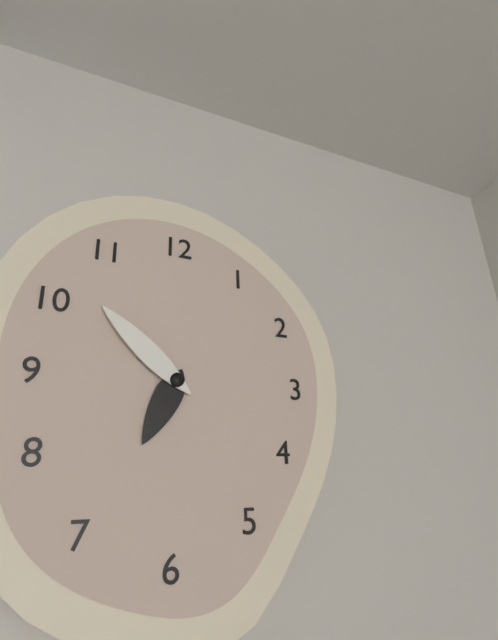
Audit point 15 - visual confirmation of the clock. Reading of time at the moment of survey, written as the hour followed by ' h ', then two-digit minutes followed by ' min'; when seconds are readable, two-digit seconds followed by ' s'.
6 h 52 min
